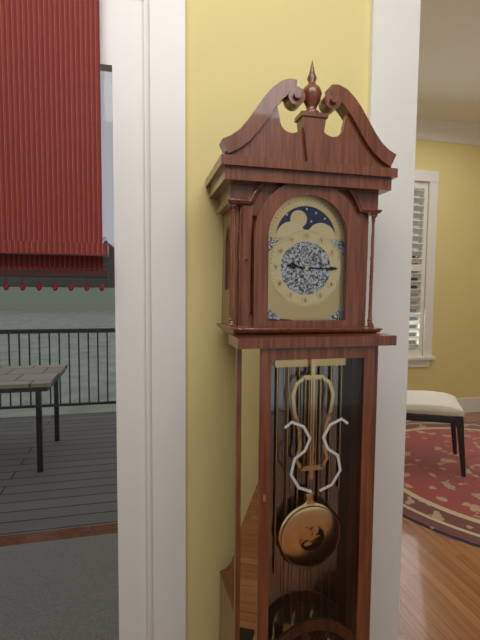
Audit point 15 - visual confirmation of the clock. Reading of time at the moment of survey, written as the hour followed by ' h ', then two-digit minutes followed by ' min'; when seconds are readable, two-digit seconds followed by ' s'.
9 h 15 min
